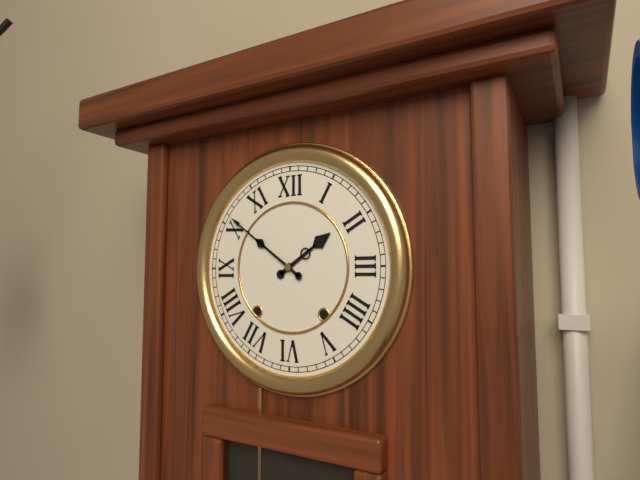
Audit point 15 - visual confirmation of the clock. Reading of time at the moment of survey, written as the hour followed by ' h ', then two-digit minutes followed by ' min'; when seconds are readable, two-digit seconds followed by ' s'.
1 h 51 min
